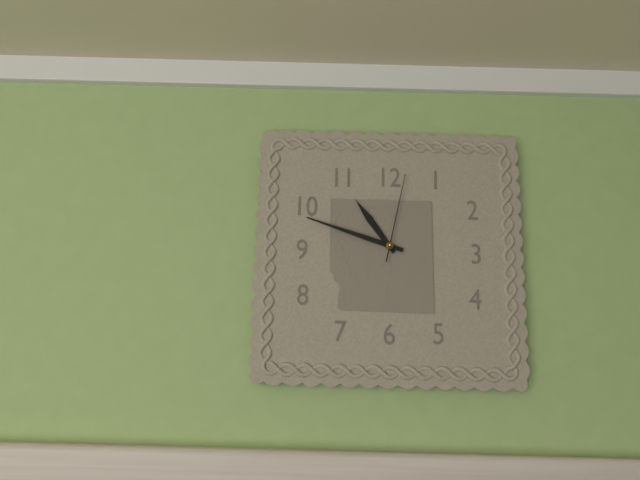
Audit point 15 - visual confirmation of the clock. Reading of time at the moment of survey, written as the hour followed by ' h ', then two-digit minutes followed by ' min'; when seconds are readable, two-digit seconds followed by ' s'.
10 h 48 min 02 s
